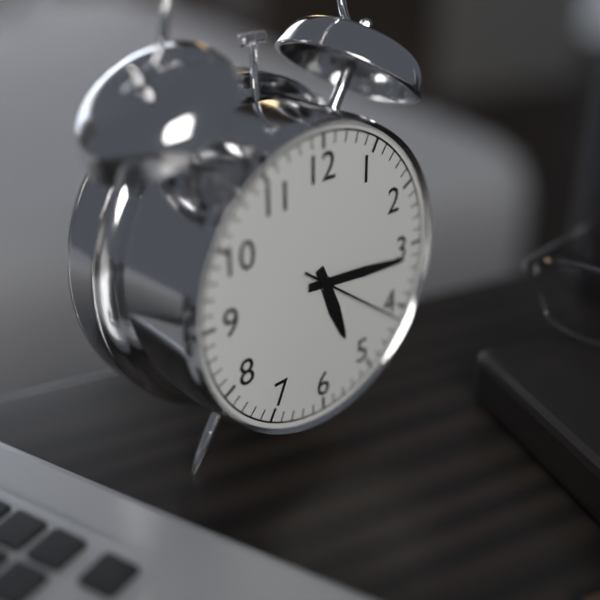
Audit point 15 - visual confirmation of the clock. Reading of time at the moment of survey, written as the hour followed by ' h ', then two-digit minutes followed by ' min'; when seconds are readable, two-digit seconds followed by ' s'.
5 h 16 min 21 s
